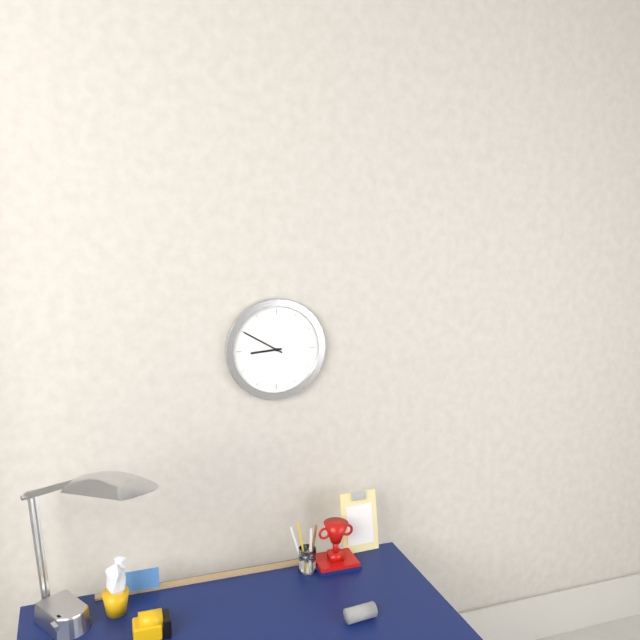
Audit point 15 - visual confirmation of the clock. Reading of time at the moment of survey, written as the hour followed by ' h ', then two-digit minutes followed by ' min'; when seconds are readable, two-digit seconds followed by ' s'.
8 h 50 min
